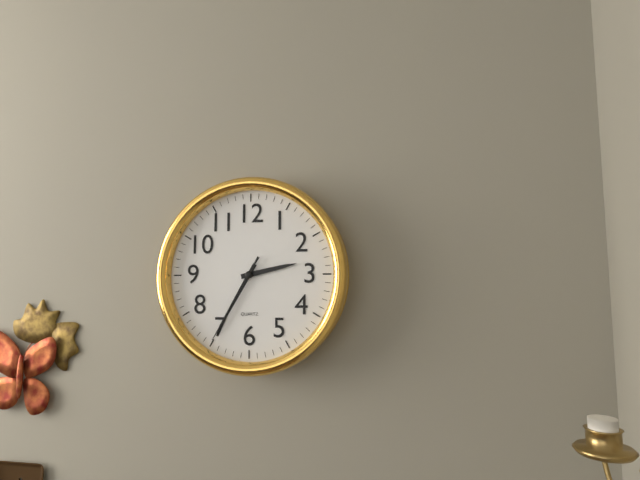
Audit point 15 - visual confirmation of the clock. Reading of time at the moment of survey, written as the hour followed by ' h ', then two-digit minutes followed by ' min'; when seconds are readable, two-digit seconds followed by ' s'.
2 h 35 min 35 s
